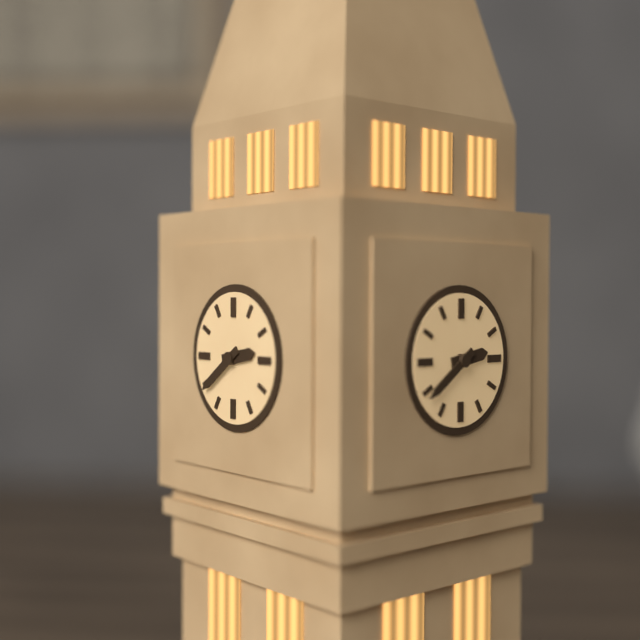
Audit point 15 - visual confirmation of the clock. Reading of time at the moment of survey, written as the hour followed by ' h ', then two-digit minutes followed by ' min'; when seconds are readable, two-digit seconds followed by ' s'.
2 h 39 min
